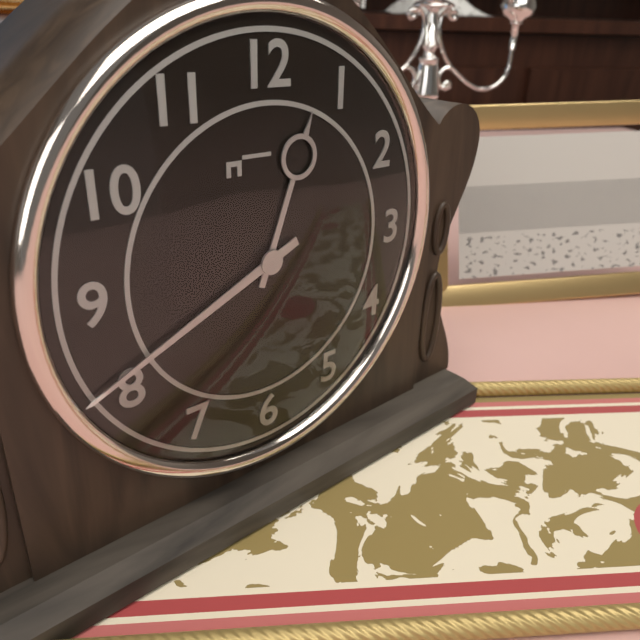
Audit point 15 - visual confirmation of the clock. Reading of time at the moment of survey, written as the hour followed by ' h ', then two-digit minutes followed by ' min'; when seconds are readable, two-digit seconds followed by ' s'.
12 h 41 min
